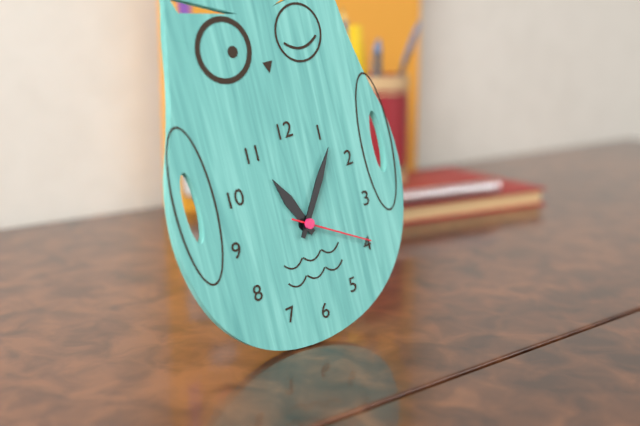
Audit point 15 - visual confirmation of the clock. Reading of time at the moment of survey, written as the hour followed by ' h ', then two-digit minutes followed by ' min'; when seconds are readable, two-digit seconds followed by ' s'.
11 h 06 min 20 s
